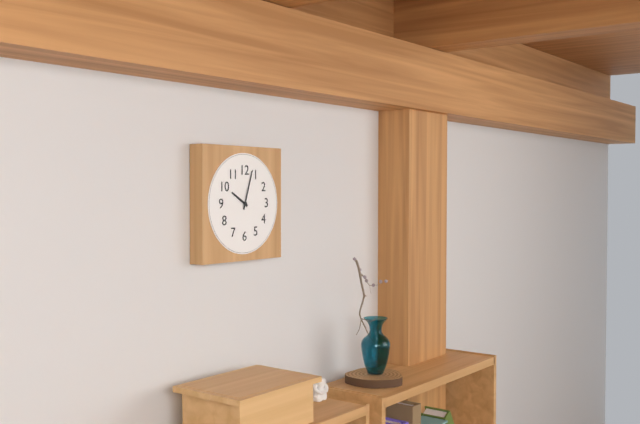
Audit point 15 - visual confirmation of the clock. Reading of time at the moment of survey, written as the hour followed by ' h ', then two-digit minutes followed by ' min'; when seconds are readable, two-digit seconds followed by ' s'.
10 h 03 min
